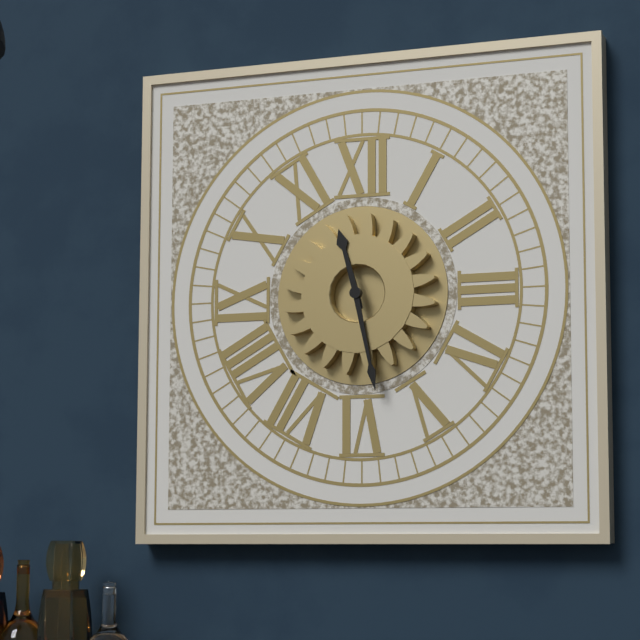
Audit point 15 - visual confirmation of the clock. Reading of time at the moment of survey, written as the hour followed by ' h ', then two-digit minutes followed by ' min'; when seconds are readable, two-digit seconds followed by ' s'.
11 h 28 min
